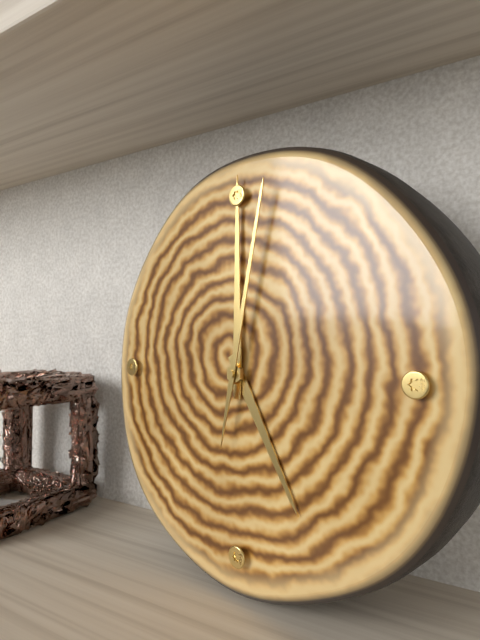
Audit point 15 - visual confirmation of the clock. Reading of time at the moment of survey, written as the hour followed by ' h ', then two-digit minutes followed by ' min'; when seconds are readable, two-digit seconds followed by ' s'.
5 h 00 min 02 s
